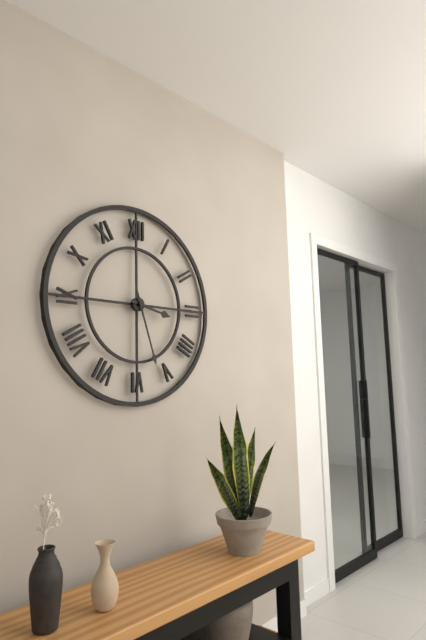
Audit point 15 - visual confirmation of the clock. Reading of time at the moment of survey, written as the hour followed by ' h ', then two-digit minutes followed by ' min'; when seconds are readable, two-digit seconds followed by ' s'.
3 h 27 min
